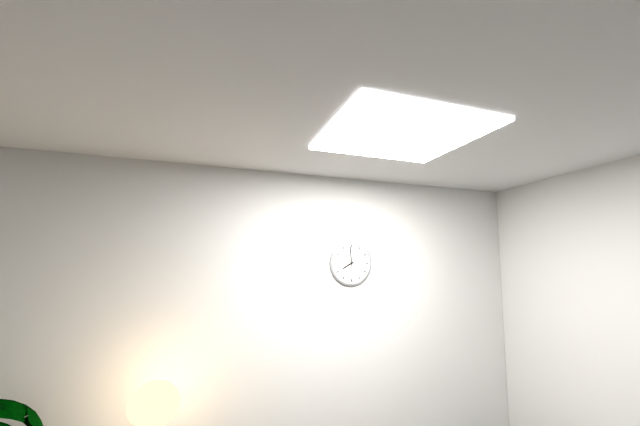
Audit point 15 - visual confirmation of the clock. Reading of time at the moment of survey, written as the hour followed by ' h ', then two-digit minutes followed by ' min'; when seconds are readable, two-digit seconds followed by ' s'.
7 h 59 min
